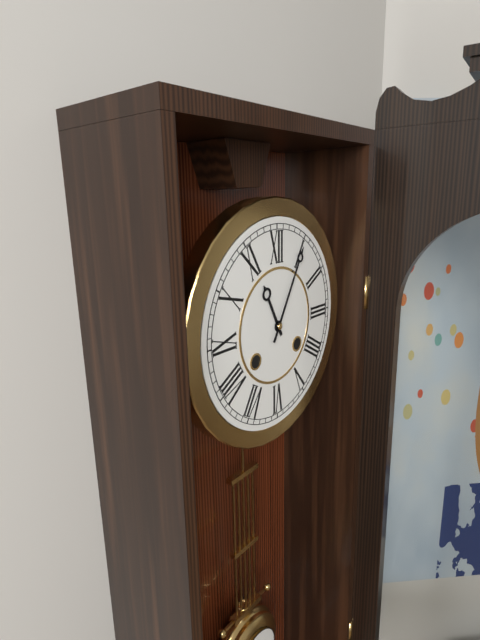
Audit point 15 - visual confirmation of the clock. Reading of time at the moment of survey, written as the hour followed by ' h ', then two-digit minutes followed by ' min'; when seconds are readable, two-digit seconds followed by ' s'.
11 h 05 min
